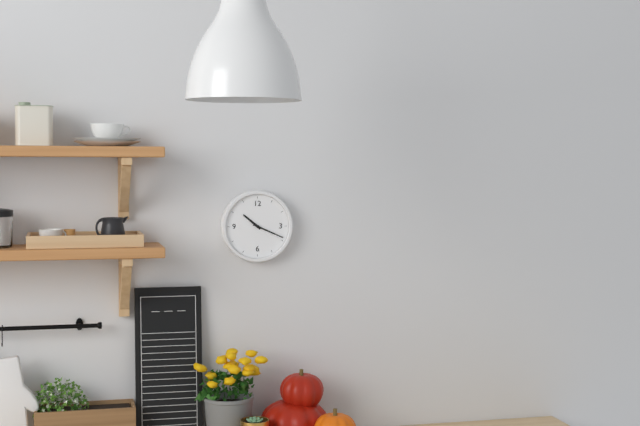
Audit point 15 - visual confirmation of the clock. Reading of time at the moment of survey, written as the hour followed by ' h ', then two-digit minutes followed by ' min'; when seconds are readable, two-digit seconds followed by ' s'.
10 h 19 min
